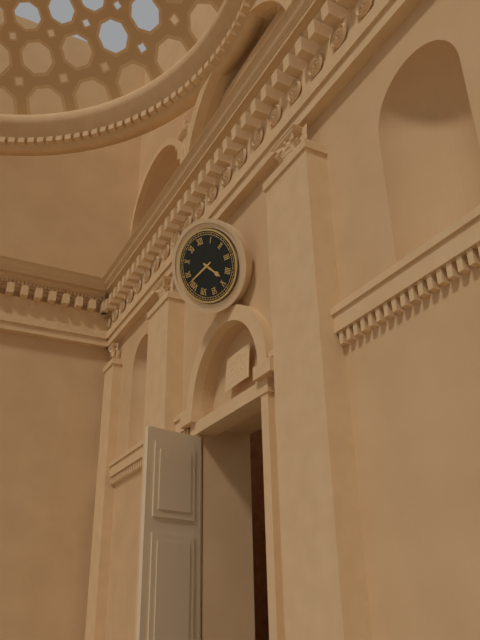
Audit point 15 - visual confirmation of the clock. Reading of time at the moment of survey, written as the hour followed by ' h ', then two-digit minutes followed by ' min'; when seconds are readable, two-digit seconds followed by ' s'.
4 h 42 min
